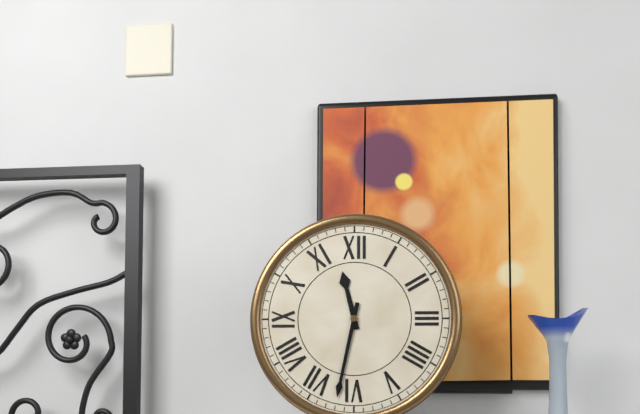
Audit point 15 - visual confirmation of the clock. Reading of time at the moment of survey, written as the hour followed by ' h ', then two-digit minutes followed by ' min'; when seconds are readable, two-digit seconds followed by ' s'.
11 h 32 min
